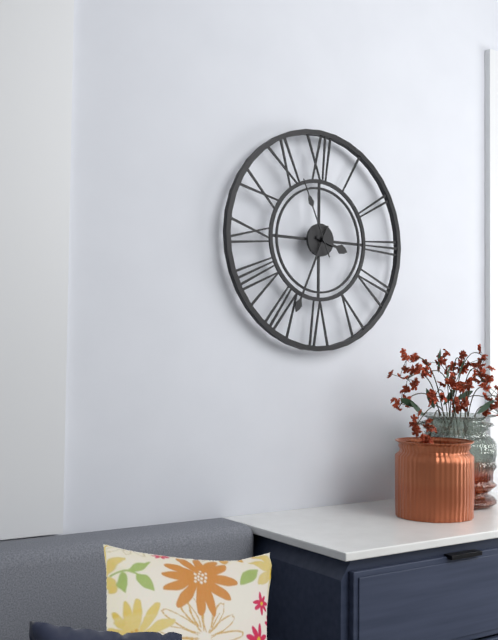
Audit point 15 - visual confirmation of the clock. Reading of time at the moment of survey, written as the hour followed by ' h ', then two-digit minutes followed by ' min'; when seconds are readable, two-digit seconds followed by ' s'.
3 h 34 min 56 s
